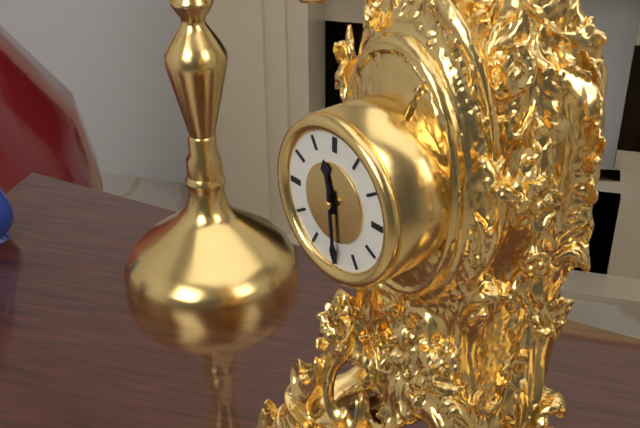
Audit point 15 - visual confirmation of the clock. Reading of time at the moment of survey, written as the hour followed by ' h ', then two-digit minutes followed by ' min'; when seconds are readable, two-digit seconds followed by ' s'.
11 h 29 min
